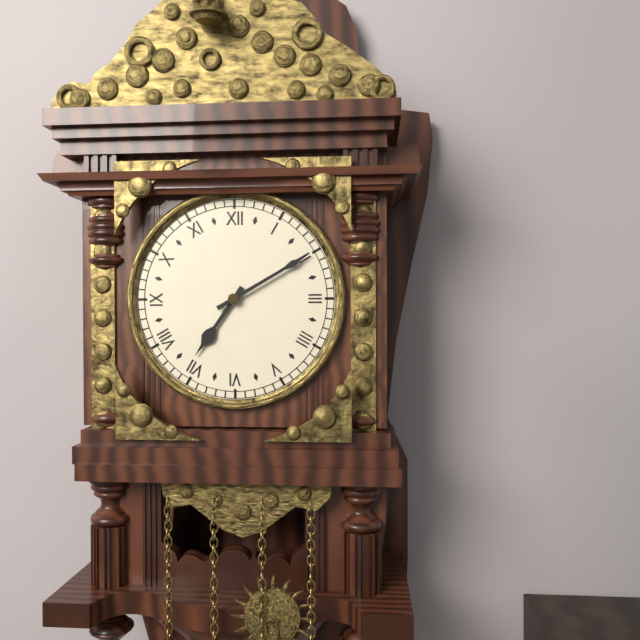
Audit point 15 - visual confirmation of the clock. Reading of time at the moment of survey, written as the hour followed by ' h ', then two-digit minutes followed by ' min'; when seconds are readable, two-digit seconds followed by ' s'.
7 h 10 min
